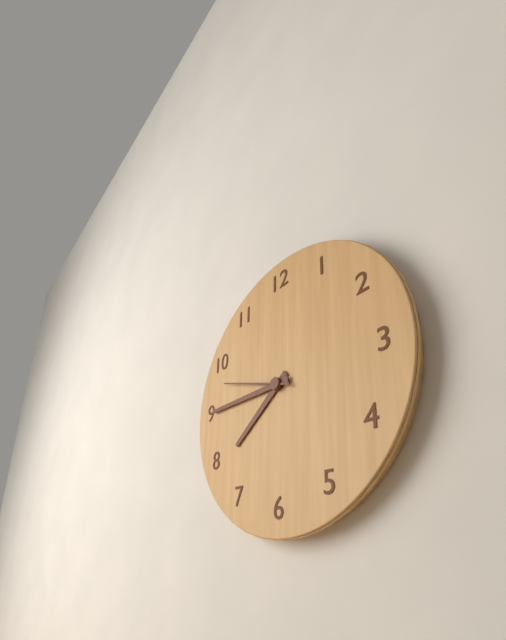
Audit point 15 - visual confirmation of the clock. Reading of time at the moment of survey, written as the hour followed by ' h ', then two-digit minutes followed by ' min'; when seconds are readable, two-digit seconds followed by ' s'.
7 h 45 min 48 s
